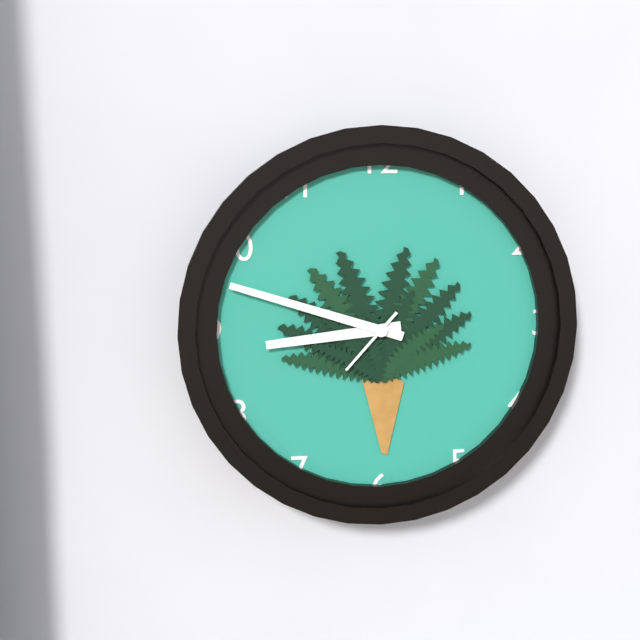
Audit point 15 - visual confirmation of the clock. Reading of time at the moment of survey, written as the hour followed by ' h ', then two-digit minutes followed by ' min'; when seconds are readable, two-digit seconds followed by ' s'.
8 h 48 min 37 s
